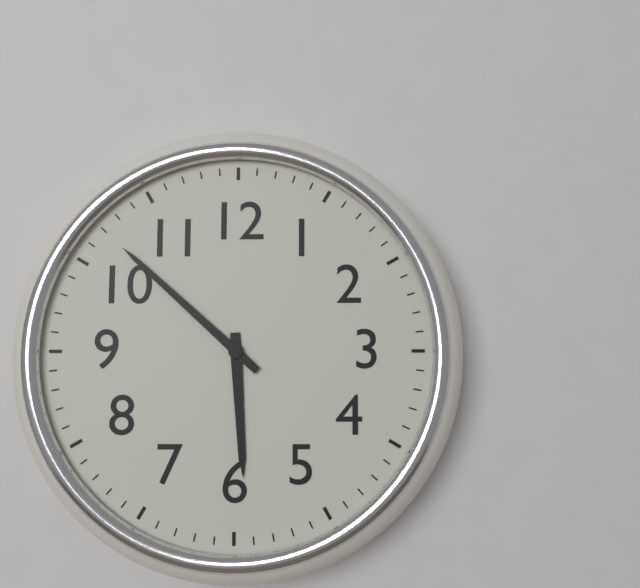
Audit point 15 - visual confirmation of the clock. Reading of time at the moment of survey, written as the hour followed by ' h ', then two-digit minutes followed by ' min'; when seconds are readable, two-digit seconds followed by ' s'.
5 h 52 min
